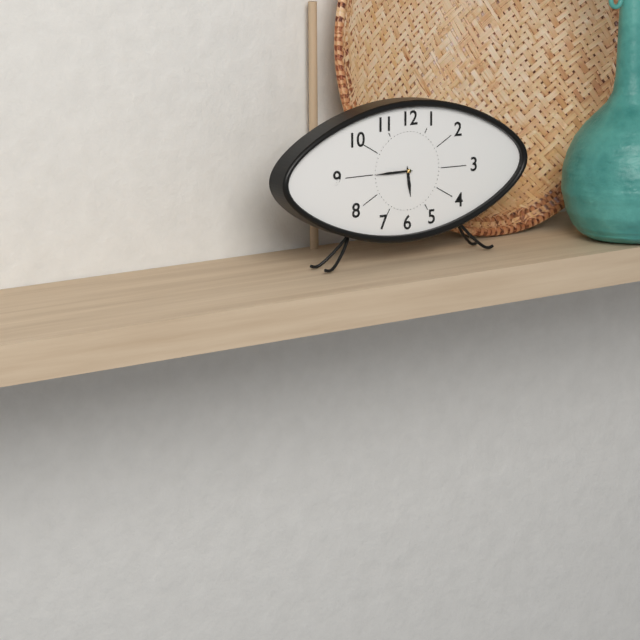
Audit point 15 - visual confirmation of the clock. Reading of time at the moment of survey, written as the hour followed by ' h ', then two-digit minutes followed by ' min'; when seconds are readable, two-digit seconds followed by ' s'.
5 h 45 min
